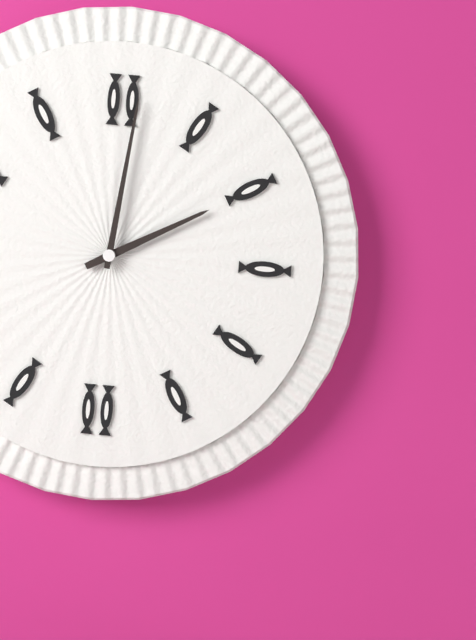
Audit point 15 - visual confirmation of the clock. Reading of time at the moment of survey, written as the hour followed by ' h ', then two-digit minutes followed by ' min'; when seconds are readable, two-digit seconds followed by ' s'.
2 h 01 min
